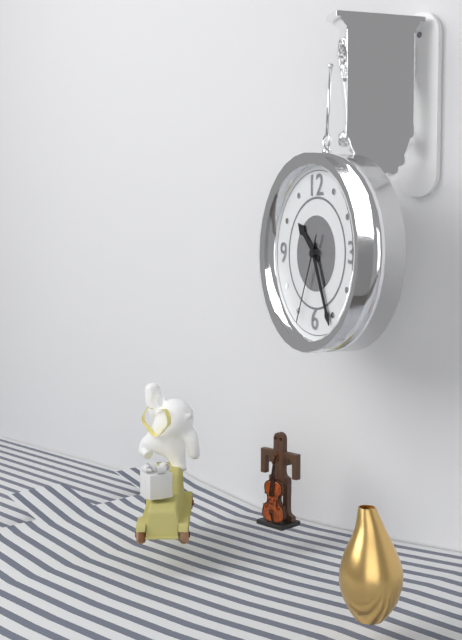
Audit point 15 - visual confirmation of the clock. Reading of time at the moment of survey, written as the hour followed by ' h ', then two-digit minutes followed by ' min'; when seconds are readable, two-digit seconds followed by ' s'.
10 h 26 min 34 s
